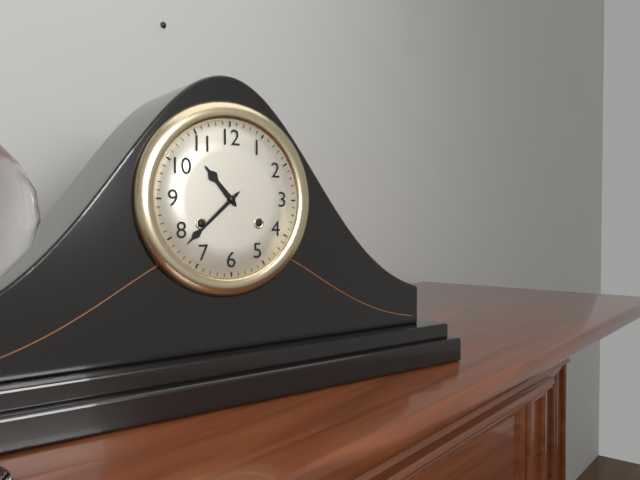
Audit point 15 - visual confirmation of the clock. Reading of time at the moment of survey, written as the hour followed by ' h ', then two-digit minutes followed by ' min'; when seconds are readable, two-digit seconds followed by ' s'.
10 h 38 min
